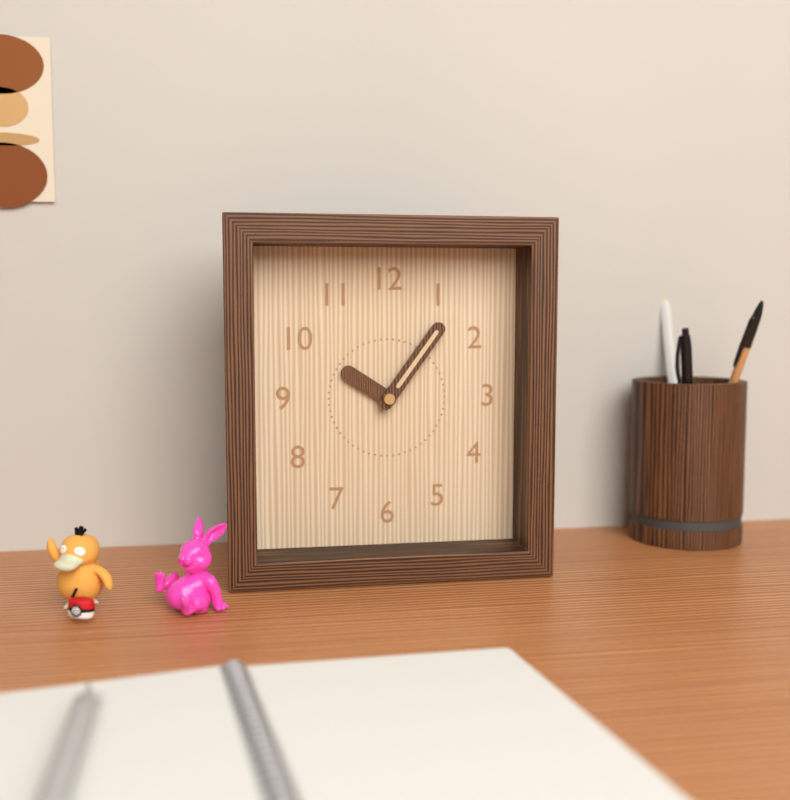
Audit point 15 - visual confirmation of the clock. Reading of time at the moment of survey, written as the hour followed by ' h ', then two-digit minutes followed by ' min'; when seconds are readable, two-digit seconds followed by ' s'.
10 h 06 min
